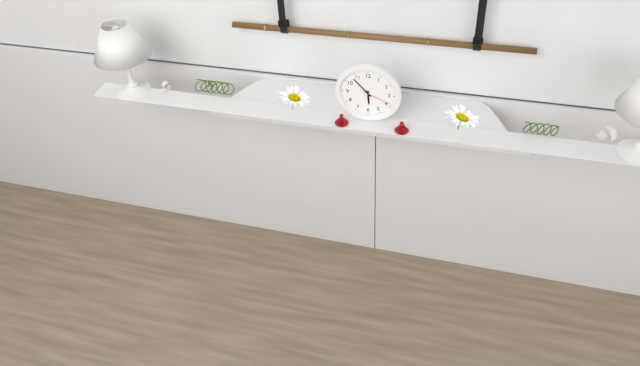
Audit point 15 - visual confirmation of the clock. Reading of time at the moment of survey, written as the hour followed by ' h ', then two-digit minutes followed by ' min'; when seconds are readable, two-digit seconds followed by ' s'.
5 h 53 min
